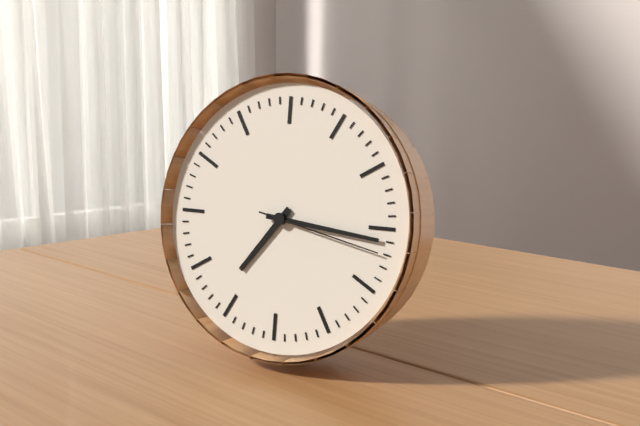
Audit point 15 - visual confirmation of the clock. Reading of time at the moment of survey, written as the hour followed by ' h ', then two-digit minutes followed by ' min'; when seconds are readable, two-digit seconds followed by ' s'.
7 h 16 min 17 s
